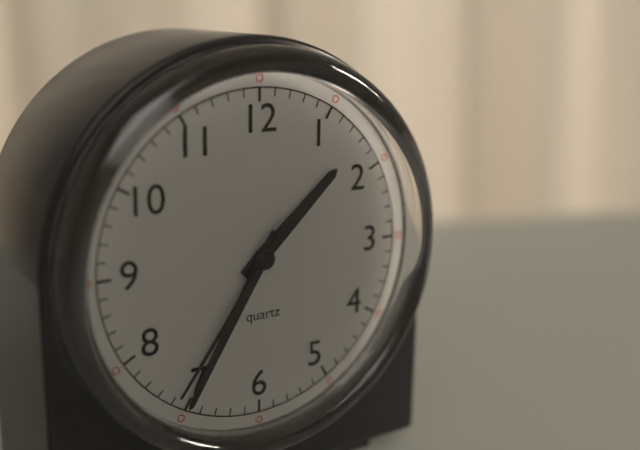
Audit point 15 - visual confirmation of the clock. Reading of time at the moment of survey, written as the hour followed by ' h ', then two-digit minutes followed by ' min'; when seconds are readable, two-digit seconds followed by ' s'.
1 h 35 min 36 s
